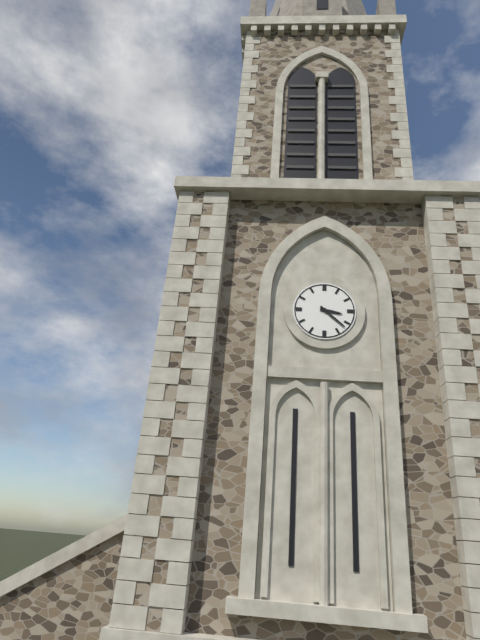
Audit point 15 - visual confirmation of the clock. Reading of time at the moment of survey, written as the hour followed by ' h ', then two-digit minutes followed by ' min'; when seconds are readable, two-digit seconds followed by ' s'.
3 h 22 min
